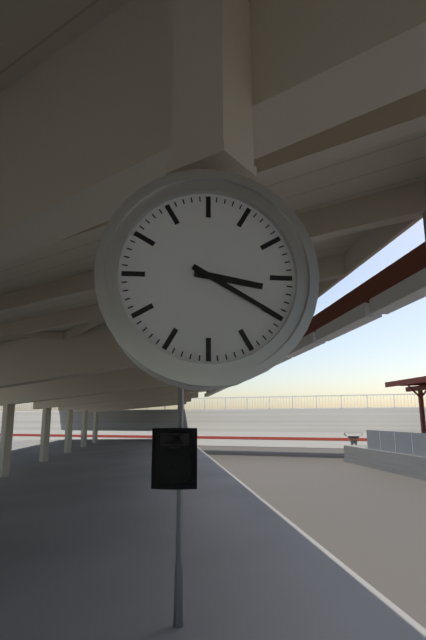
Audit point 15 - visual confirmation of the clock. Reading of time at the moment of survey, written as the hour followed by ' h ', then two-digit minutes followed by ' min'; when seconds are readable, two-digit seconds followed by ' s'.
3 h 20 min
